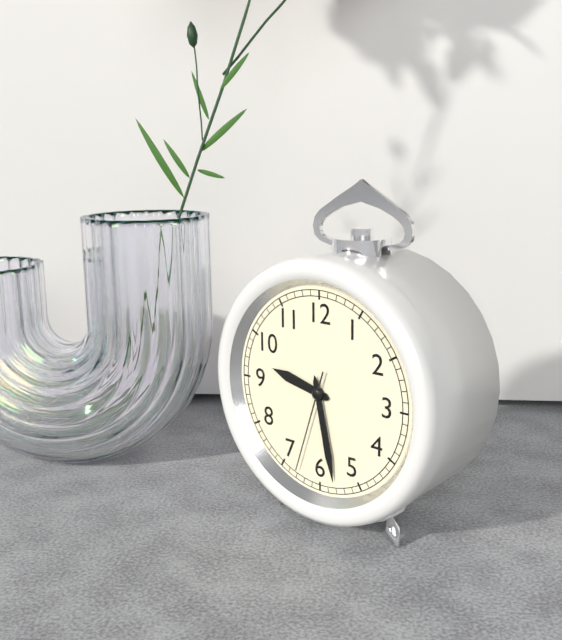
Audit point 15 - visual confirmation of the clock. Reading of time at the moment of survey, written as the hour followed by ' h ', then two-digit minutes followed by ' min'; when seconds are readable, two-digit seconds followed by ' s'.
9 h 28 min 33 s
